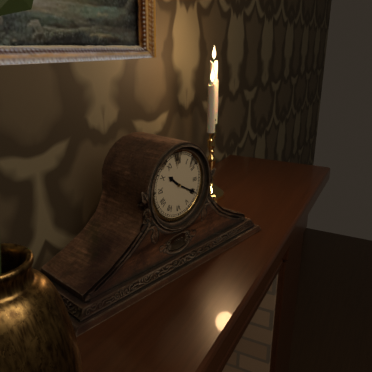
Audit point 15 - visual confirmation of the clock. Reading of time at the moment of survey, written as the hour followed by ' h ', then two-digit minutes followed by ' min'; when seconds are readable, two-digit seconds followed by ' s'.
10 h 20 min
